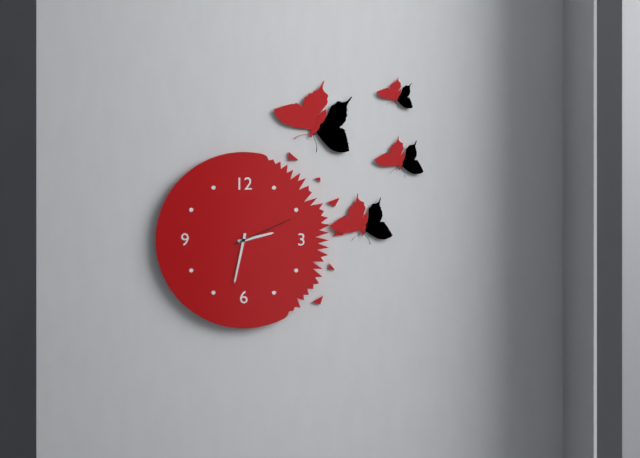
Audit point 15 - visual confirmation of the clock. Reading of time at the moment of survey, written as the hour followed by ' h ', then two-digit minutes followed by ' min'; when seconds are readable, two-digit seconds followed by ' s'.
2 h 32 min 11 s
